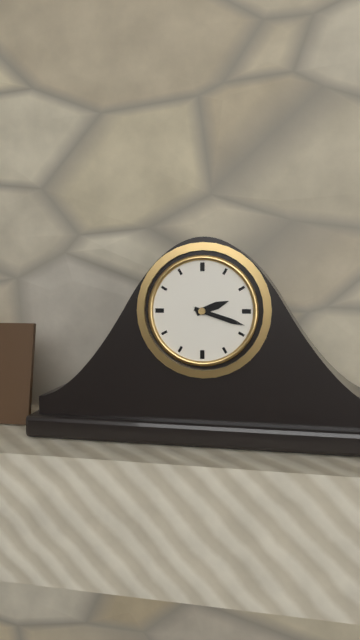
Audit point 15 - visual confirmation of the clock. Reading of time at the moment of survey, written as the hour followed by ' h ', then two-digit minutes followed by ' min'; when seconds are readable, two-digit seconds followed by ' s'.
2 h 18 min
